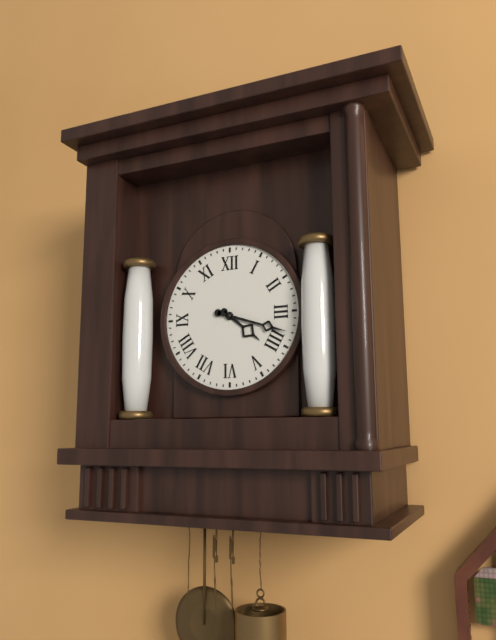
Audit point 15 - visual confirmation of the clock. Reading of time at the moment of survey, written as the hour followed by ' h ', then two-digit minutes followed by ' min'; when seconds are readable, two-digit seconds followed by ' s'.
4 h 18 min
